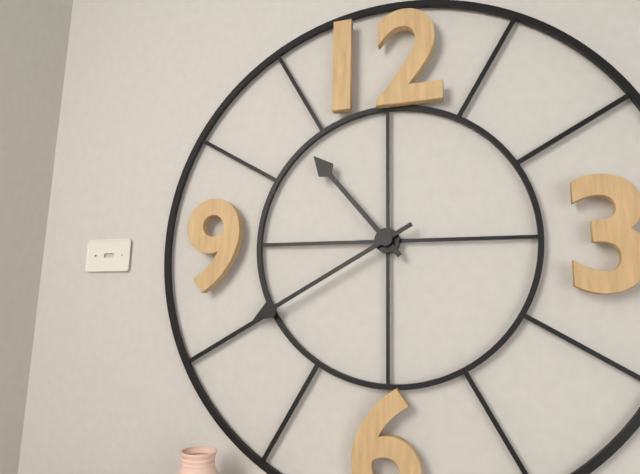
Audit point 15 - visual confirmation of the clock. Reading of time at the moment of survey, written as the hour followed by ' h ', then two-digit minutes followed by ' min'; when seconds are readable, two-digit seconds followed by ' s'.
10 h 40 min
